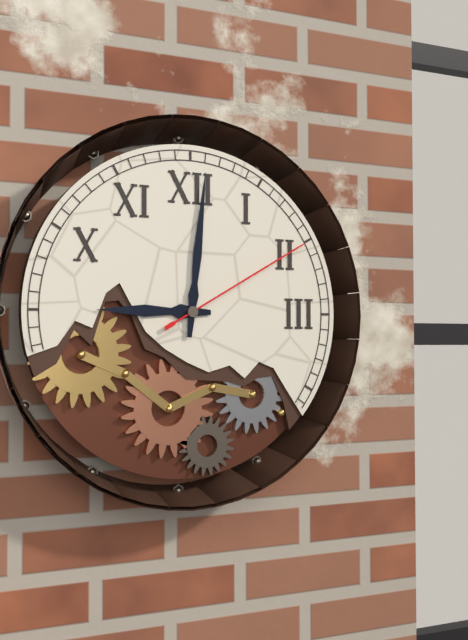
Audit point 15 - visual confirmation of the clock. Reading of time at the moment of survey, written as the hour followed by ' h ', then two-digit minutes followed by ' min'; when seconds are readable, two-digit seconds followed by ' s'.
9 h 01 min 10 s
